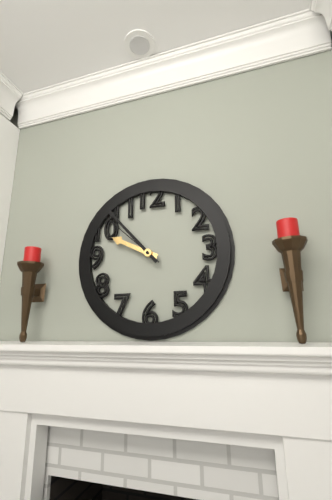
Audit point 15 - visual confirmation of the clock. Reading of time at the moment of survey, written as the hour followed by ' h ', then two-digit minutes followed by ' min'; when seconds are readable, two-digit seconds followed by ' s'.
9 h 53 min 52 s
